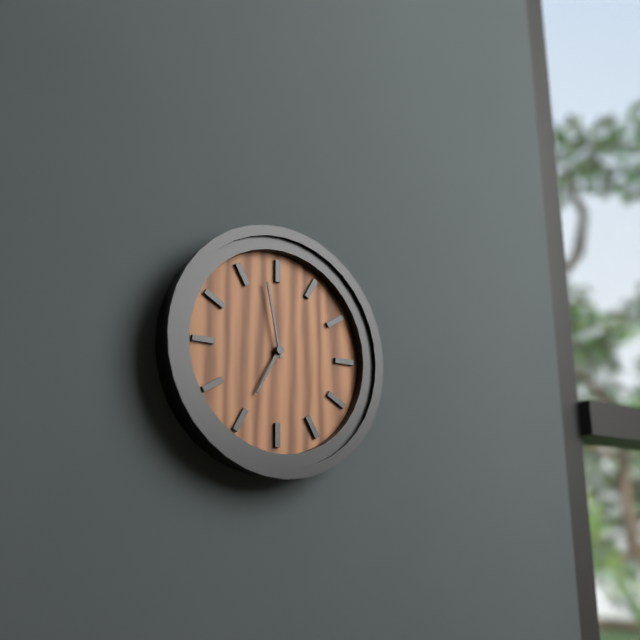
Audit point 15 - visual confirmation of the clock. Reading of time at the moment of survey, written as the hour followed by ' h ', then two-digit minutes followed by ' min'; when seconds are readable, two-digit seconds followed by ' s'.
6 h 58 min
